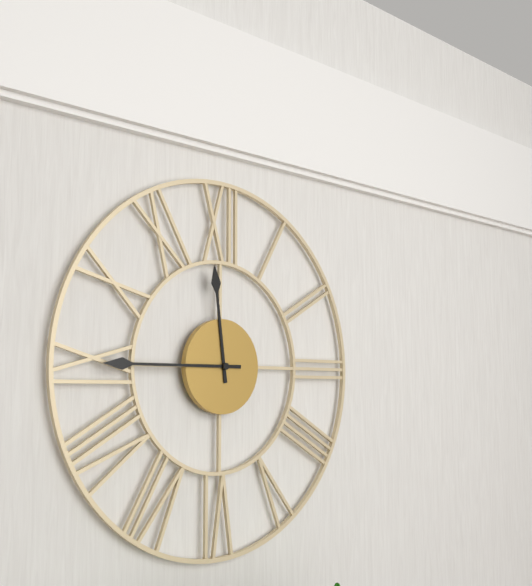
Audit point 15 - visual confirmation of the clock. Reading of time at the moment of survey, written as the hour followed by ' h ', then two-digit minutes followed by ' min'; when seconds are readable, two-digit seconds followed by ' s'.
11 h 45 min
